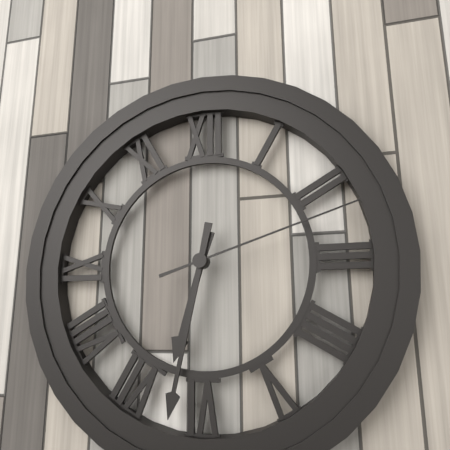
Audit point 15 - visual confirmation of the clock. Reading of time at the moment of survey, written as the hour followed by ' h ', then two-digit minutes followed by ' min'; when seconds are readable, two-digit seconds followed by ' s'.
6 h 32 min 12 s
